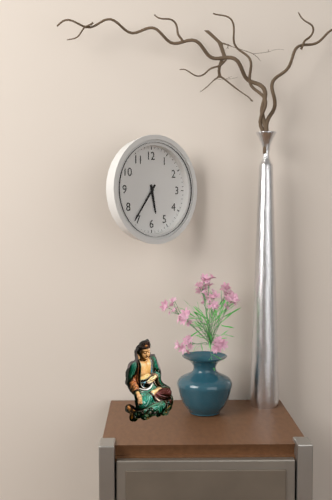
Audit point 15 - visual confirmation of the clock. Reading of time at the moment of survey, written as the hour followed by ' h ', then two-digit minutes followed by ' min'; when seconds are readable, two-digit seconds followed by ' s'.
5 h 36 min
